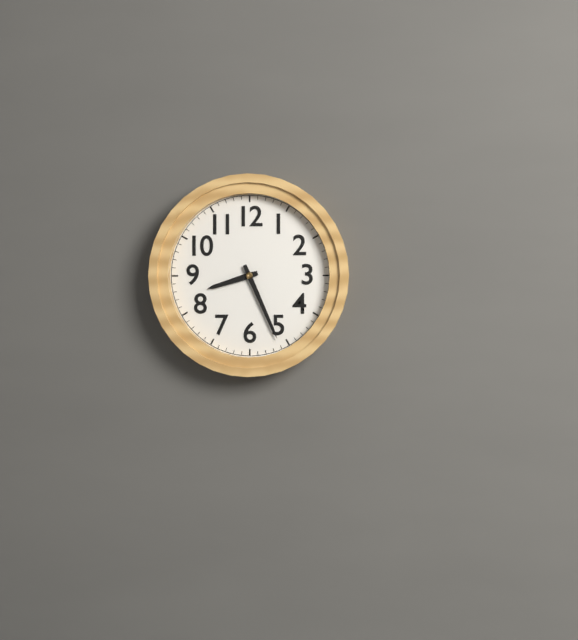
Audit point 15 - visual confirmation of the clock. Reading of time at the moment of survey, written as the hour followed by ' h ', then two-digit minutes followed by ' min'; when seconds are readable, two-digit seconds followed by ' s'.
8 h 26 min
